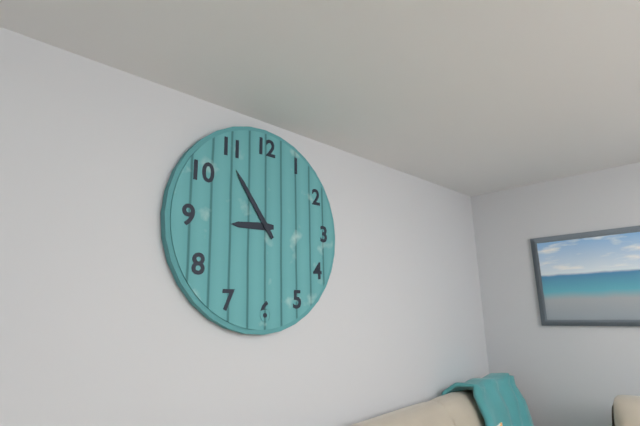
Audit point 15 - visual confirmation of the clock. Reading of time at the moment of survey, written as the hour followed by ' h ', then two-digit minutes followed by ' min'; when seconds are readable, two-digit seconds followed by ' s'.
8 h 54 min
